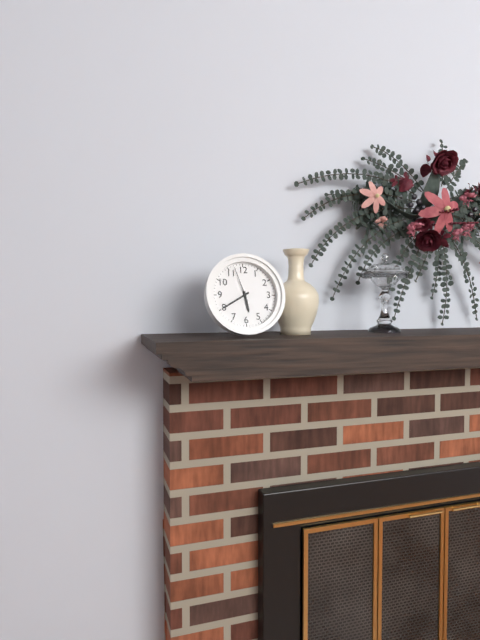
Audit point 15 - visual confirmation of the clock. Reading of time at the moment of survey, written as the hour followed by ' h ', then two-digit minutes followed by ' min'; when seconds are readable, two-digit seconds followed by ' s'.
5 h 40 min
